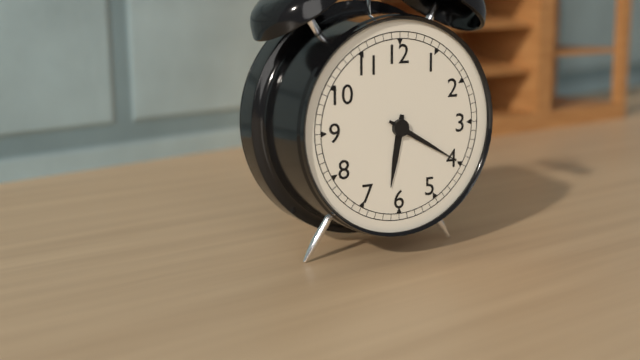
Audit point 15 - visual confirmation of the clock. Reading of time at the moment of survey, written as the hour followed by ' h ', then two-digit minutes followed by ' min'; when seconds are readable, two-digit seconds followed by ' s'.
6 h 20 min
